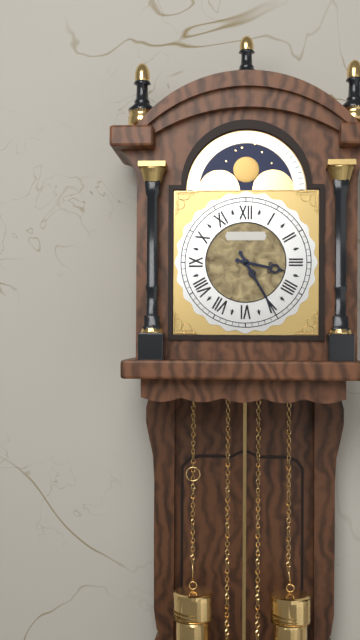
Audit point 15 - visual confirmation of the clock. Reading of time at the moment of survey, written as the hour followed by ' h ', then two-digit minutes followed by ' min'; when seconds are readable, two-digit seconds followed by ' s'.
3 h 25 min
